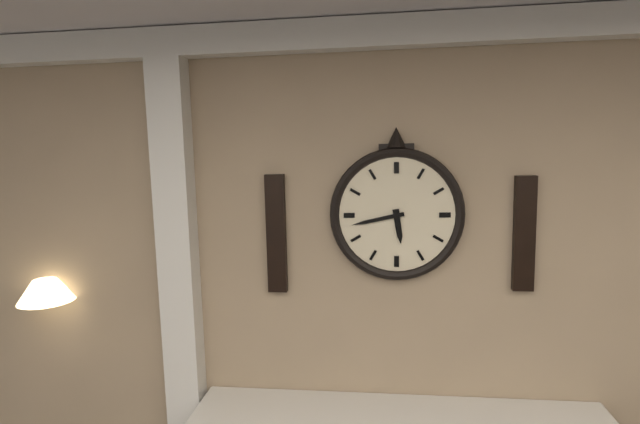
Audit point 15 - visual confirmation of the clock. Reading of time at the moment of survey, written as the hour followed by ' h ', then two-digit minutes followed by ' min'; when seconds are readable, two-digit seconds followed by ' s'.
5 h 43 min
